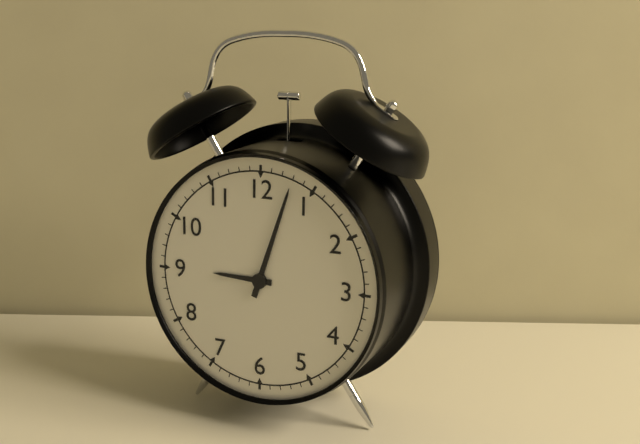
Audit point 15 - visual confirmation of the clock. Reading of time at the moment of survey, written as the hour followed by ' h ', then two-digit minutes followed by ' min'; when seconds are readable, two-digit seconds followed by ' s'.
9 h 03 min
